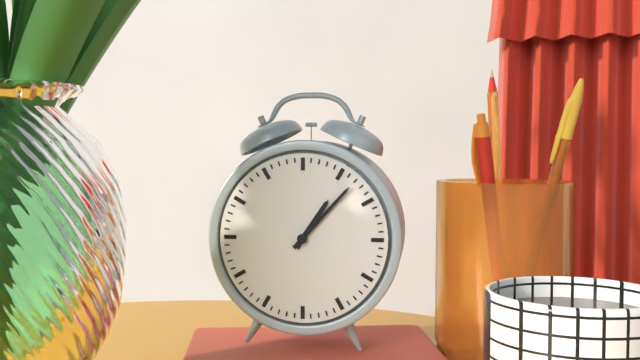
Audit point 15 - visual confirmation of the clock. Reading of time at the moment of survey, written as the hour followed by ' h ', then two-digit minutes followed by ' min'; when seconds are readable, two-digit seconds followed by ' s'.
1 h 07 min
